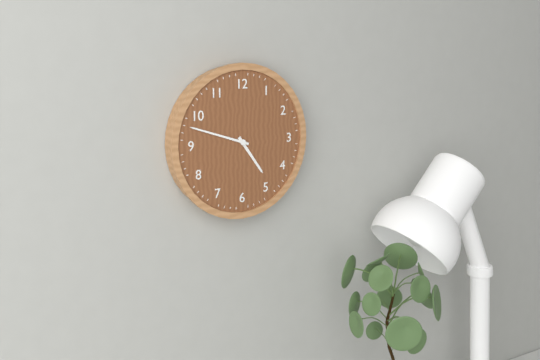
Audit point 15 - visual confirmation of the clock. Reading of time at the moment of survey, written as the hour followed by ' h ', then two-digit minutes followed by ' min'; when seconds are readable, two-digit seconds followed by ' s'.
4 h 48 min
